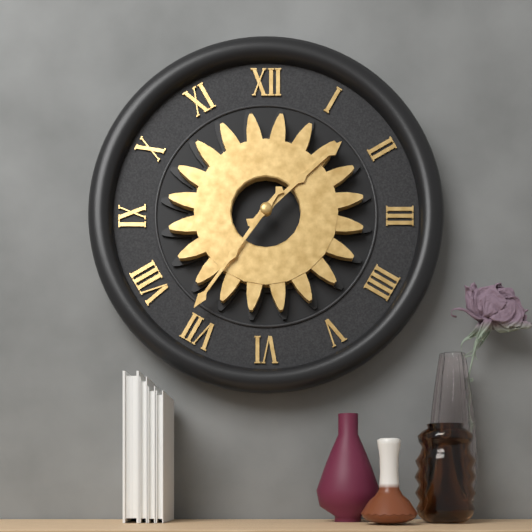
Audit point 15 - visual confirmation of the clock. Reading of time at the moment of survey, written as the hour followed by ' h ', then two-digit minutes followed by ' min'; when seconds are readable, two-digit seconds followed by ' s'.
1 h 36 min
